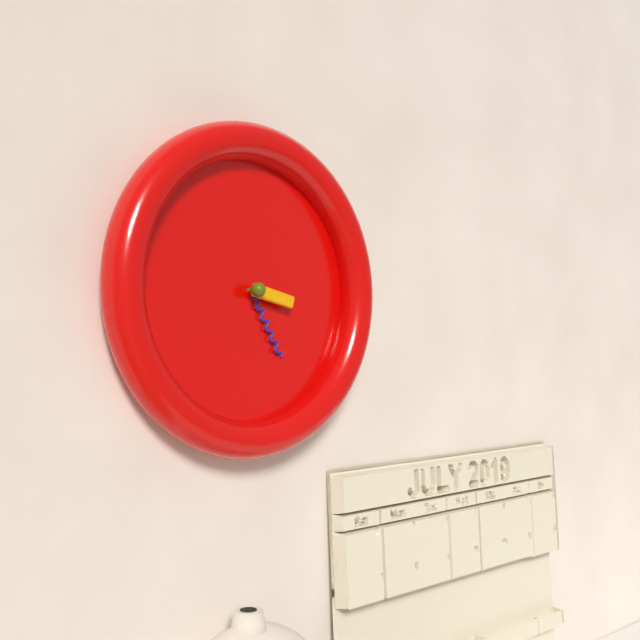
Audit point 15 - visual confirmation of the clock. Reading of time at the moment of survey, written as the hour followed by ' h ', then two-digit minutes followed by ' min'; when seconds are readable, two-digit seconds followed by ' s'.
3 h 25 min
